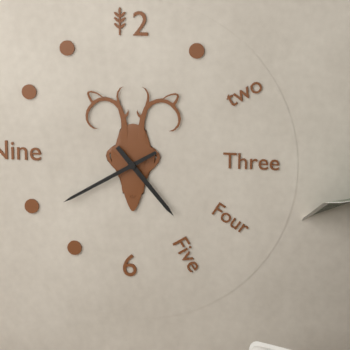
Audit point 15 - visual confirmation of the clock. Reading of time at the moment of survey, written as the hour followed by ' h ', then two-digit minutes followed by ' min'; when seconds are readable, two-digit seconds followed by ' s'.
4 h 40 min
